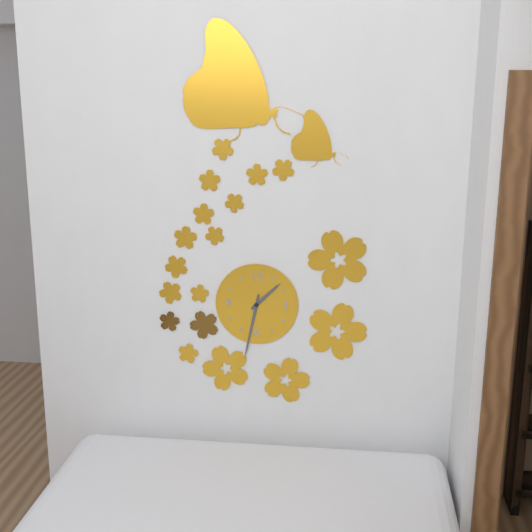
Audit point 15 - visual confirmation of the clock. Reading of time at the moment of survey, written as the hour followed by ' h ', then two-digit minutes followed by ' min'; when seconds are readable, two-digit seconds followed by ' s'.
1 h 32 min
